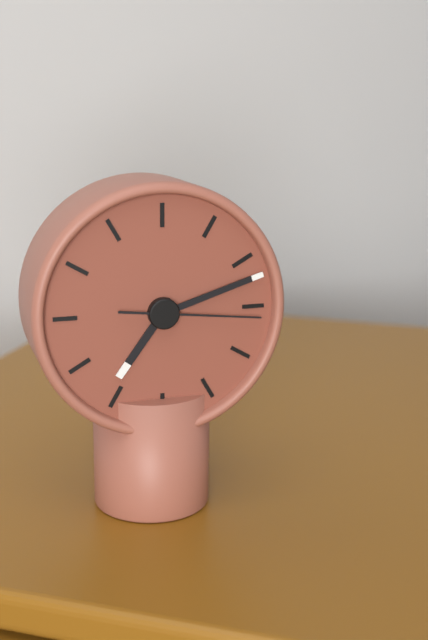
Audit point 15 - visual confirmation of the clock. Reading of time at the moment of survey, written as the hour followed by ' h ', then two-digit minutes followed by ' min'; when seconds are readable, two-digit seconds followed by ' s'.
7 h 12 min 16 s
